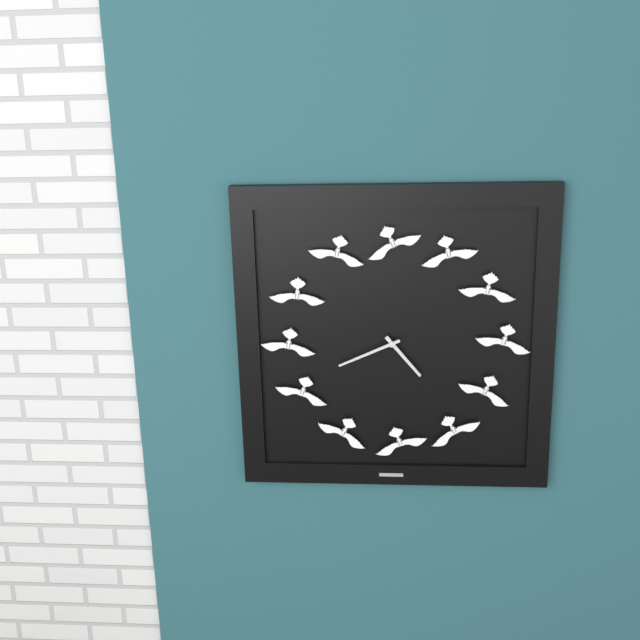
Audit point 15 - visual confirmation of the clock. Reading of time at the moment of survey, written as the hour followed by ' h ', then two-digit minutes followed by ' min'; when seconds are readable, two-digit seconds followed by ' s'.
4 h 41 min
